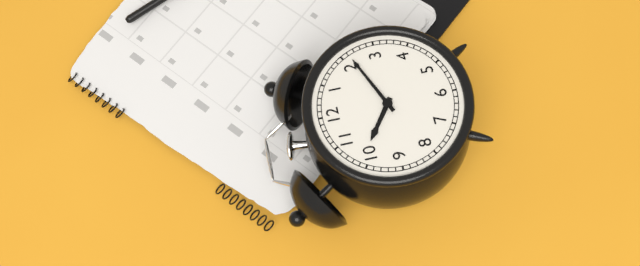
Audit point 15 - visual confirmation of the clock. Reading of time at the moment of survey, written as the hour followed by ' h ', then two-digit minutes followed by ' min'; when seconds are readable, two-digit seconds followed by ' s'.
10 h 11 min
